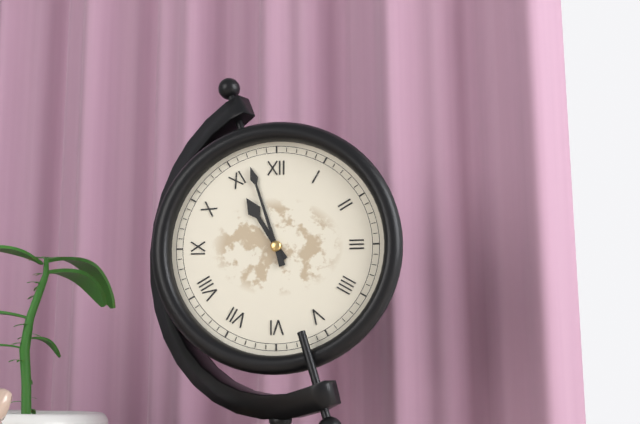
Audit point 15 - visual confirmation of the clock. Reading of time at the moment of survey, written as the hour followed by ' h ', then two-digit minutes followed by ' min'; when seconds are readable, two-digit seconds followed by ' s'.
10 h 57 min
